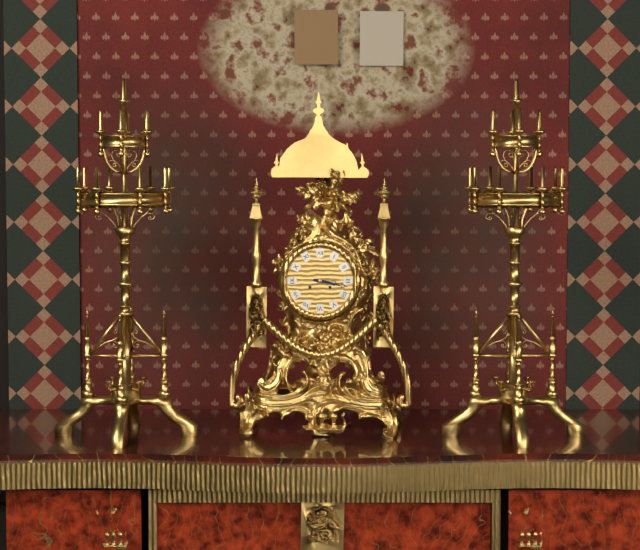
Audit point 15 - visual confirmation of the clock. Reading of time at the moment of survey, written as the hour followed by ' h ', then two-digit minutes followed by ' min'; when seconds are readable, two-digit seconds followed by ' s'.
3 h 17 min
